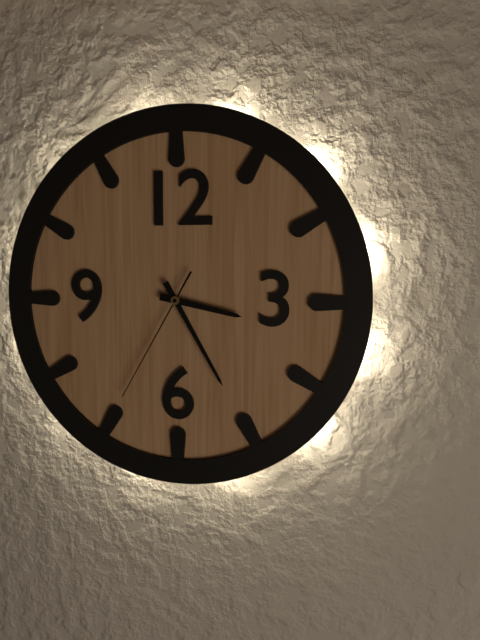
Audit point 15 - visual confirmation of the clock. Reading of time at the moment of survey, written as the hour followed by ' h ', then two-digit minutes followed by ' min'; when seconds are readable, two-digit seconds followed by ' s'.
3 h 25 min 35 s
